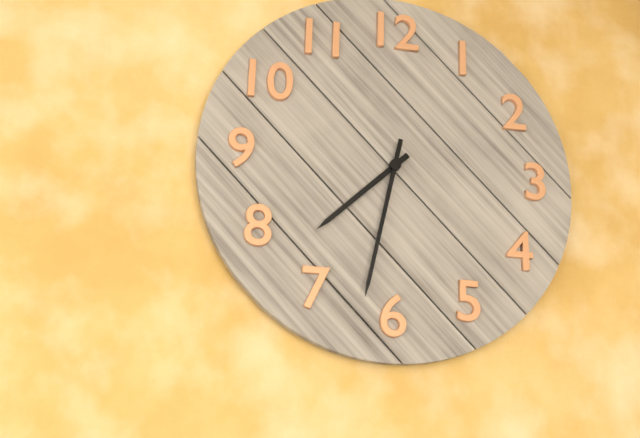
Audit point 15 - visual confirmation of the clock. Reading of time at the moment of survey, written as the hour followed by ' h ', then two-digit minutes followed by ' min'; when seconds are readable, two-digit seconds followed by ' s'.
7 h 32 min
